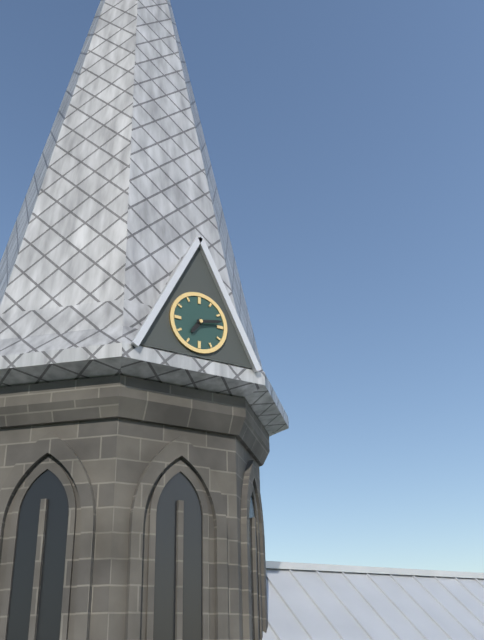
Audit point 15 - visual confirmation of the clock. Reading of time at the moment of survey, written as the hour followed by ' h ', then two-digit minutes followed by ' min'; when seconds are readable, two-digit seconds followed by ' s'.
7 h 13 min
